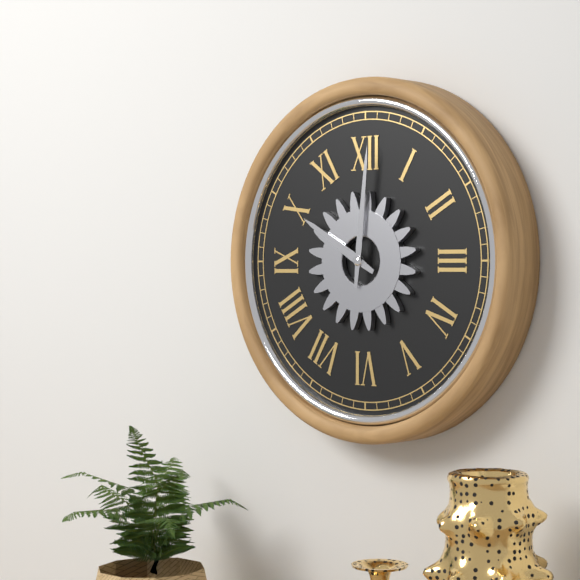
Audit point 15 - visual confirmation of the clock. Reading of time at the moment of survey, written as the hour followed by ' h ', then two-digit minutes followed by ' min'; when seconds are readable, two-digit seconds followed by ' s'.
10 h 01 min
